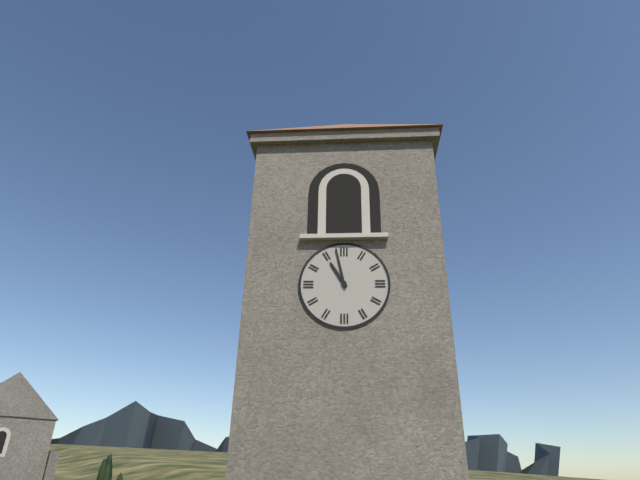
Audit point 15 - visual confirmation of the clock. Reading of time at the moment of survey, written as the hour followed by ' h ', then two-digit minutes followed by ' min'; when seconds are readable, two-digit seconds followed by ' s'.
10 h 58 min
